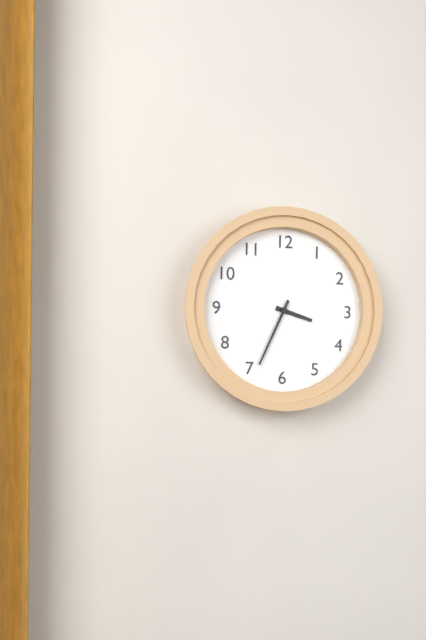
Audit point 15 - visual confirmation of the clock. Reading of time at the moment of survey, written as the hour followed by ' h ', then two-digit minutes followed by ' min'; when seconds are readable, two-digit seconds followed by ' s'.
3 h 34 min
